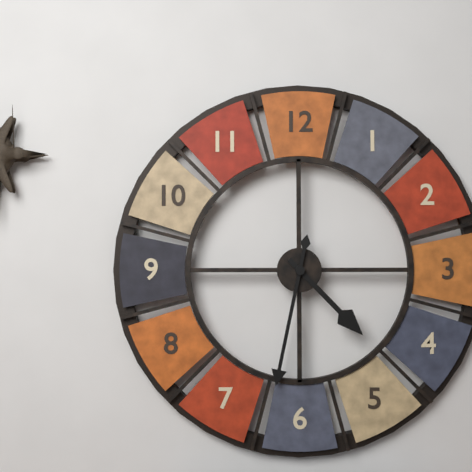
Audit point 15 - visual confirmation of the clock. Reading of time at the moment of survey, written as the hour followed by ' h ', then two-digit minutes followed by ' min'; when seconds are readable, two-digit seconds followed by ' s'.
4 h 32 min
